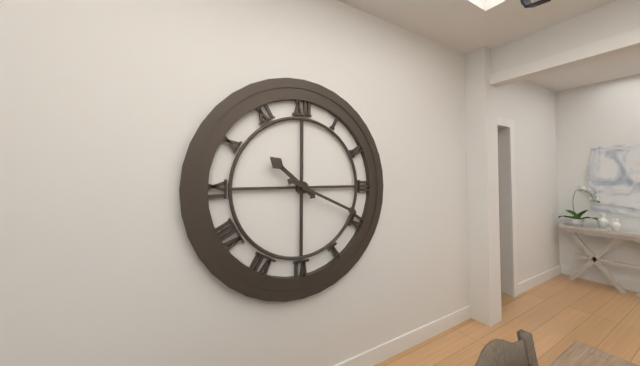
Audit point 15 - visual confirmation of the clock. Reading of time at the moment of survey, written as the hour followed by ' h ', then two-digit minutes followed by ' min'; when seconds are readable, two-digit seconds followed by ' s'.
10 h 19 min
